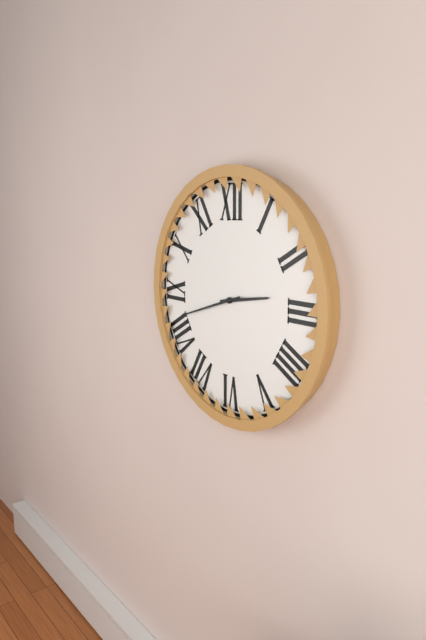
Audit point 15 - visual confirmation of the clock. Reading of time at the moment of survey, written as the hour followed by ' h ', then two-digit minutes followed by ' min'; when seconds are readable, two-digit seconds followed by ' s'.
2 h 42 min
